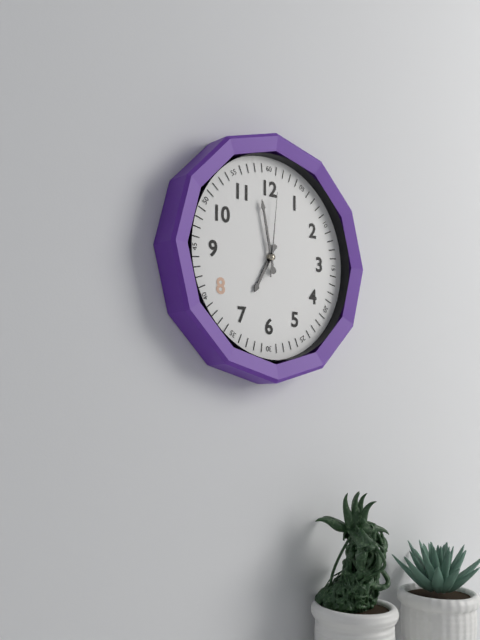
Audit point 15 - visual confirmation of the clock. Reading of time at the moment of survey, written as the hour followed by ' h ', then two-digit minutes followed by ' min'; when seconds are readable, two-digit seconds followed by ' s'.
6 h 58 min 01 s
